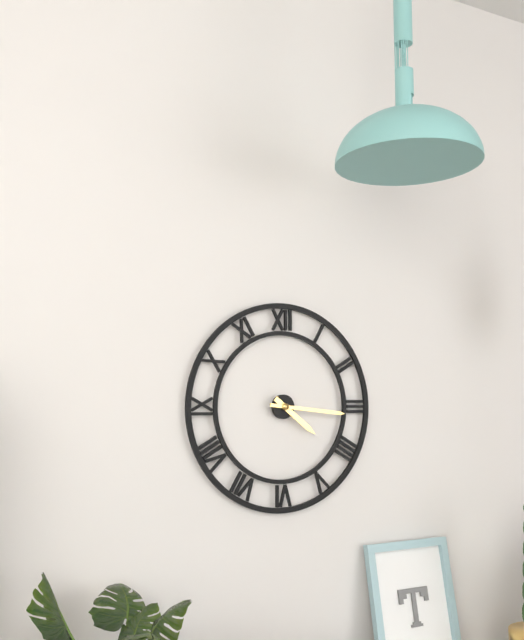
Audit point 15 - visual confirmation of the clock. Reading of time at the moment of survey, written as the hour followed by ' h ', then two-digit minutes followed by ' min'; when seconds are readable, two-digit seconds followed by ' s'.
4 h 16 min
